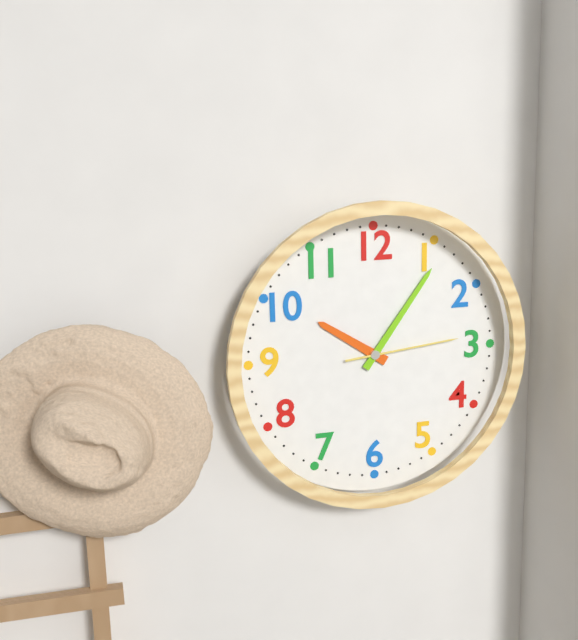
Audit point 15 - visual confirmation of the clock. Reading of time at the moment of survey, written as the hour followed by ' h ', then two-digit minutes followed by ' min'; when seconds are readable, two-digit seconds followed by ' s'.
10 h 06 min 14 s
